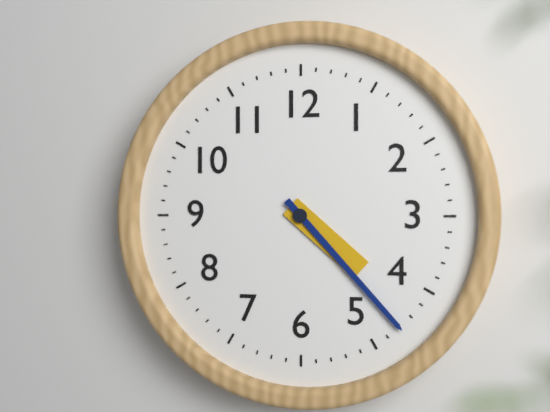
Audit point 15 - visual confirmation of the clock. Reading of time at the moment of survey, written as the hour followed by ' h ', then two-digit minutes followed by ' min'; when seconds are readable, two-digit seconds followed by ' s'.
4 h 23 min
